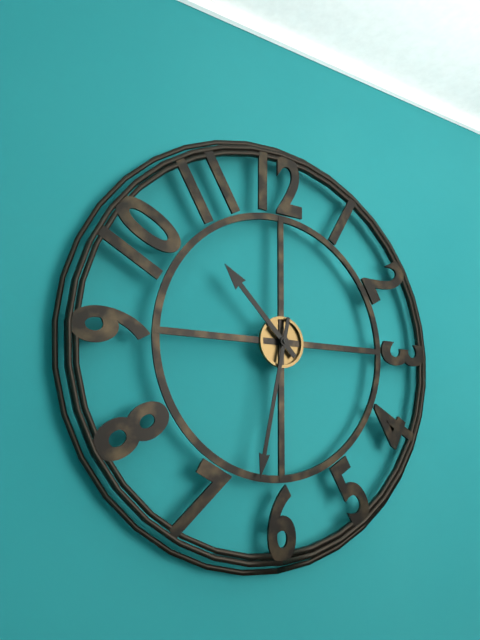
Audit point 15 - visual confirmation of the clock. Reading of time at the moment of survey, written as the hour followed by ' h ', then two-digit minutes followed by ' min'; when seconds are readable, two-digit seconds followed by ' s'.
10 h 32 min
